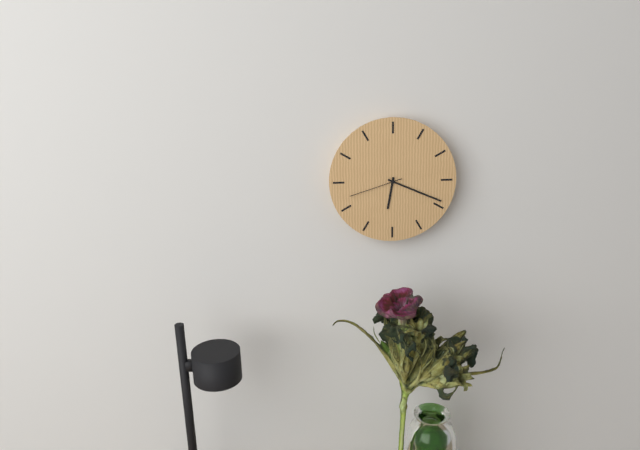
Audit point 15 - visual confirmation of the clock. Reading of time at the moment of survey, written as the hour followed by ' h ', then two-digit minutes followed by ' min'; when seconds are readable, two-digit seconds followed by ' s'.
6 h 19 min 42 s
